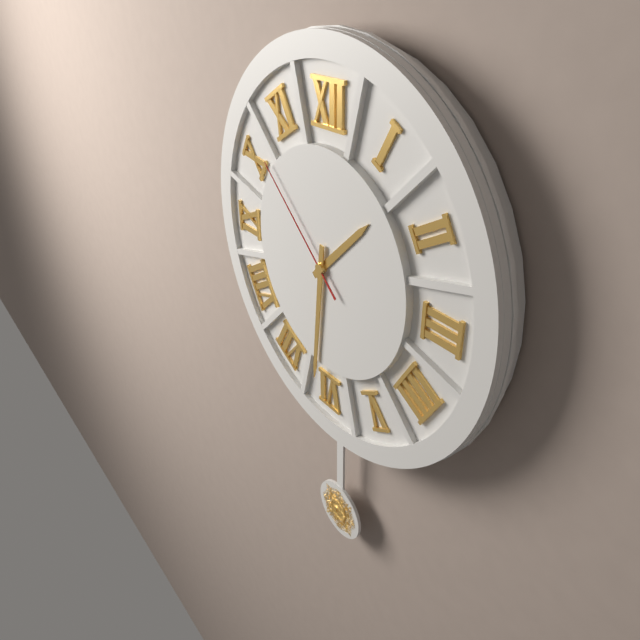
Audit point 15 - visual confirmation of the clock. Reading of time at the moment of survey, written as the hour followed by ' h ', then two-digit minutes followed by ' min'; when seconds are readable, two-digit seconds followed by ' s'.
1 h 31 min 52 s
